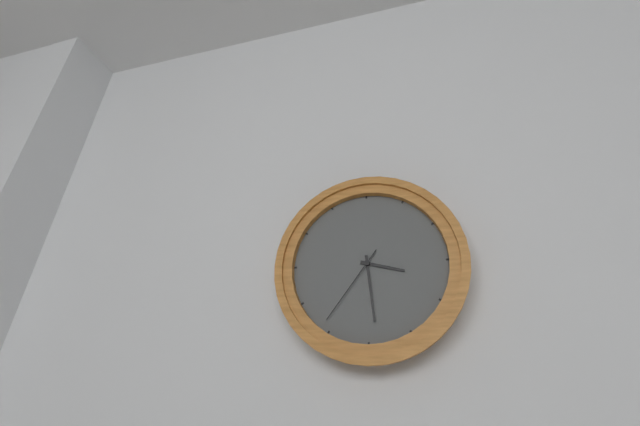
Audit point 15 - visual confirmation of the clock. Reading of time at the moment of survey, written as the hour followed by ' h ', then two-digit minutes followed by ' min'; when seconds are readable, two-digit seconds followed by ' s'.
3 h 29 min 36 s
